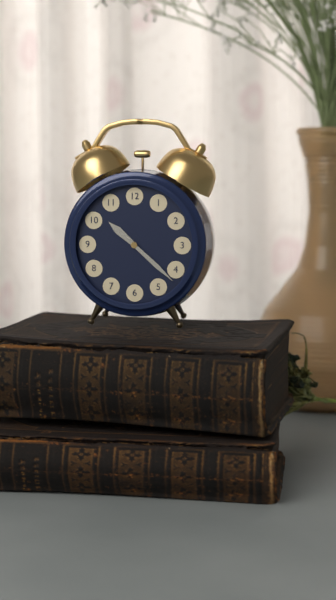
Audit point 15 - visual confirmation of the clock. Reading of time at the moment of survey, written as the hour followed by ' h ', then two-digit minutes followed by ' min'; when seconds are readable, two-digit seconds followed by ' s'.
10 h 22 min
